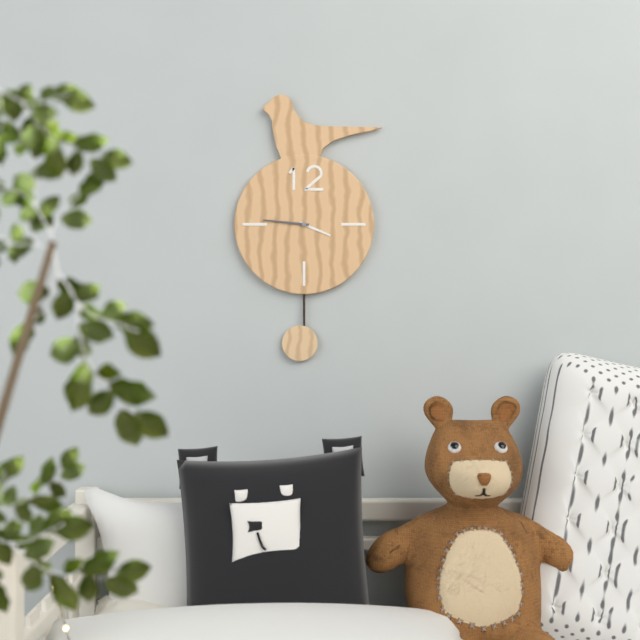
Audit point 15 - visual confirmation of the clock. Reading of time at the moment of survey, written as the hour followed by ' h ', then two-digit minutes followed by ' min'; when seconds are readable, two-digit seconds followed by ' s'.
3 h 46 min
